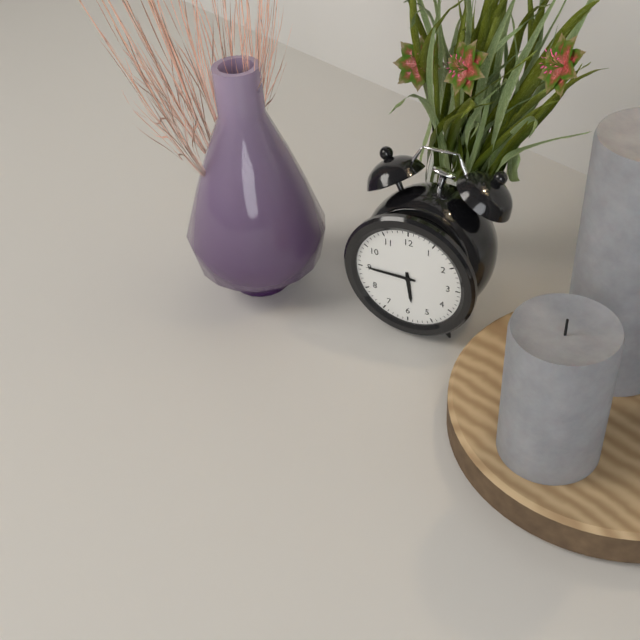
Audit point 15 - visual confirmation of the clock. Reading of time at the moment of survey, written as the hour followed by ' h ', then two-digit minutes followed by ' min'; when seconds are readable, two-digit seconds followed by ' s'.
5 h 45 min
